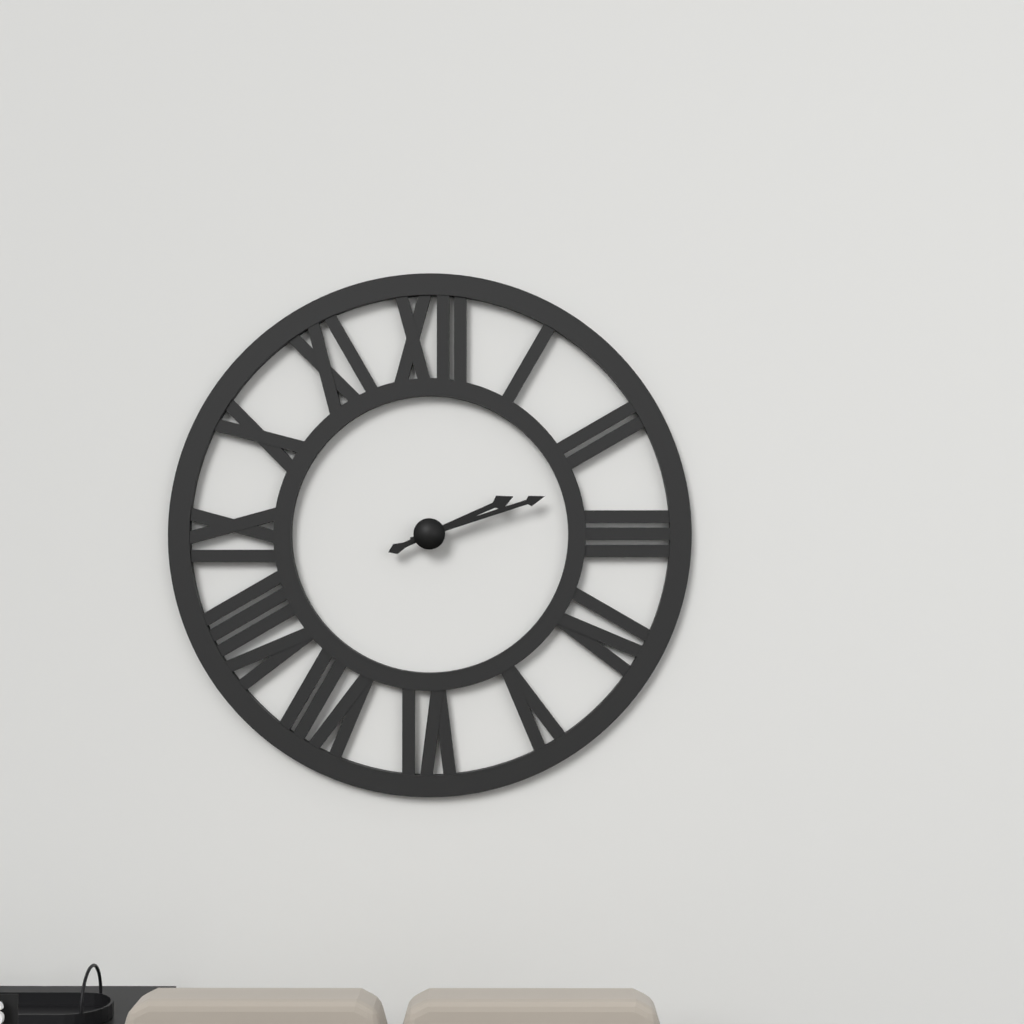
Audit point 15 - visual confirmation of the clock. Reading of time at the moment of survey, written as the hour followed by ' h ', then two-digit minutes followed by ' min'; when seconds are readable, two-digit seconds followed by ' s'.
2 h 12 min
